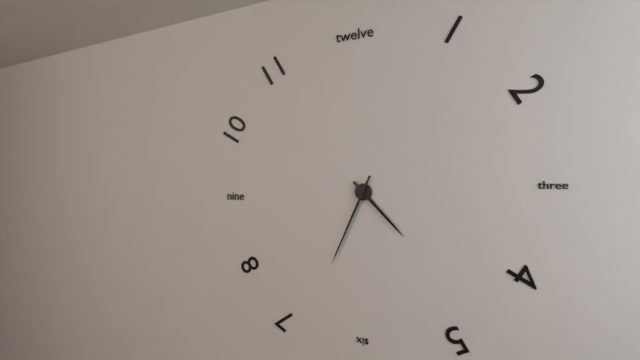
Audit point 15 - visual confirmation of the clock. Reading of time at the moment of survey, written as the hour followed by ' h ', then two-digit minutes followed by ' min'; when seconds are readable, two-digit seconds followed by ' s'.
4 h 34 min
